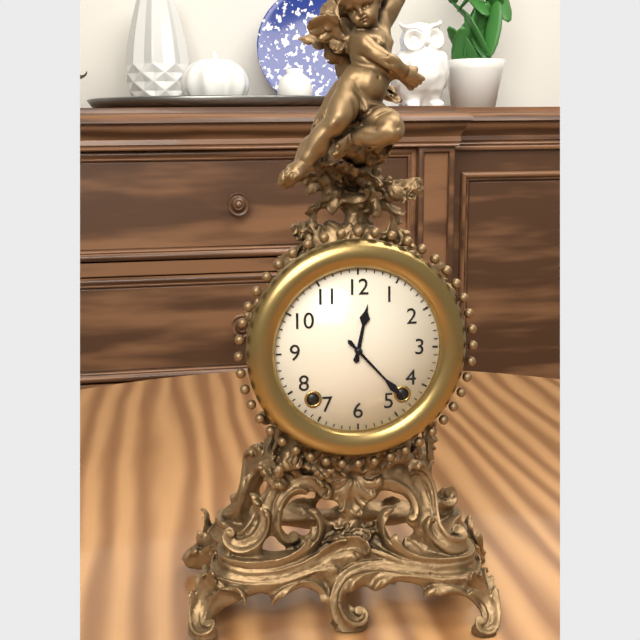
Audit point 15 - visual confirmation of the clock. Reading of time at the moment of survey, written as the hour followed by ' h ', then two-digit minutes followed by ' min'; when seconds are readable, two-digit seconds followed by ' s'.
12 h 23 min
